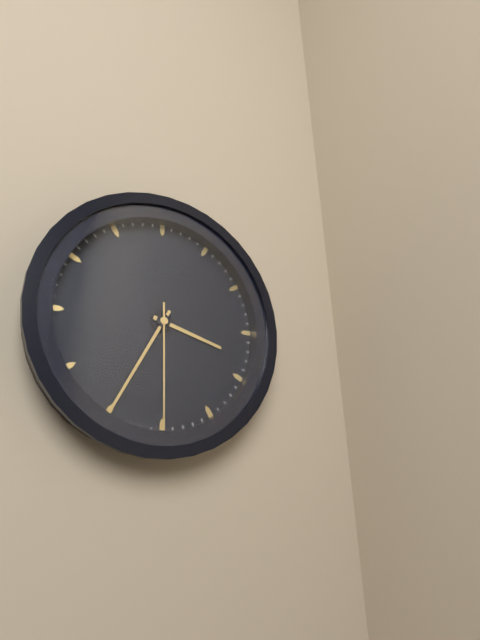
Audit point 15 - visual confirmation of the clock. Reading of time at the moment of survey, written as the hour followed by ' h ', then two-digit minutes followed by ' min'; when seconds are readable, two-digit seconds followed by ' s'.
3 h 35 min 30 s
